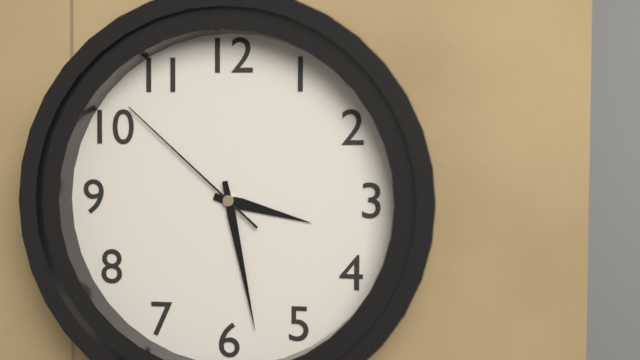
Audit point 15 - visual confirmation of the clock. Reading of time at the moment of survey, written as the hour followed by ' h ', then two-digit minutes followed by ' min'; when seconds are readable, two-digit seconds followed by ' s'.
3 h 28 min 52 s
